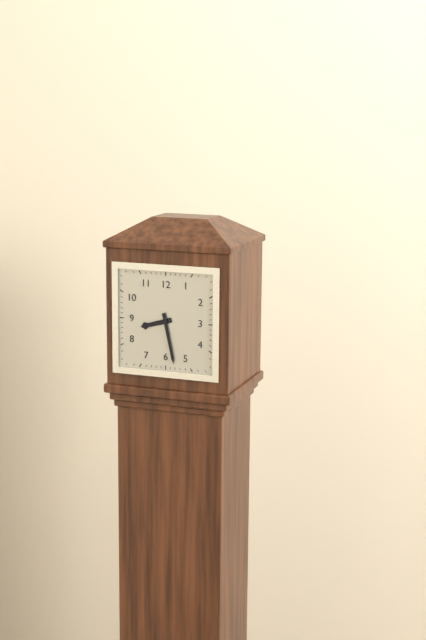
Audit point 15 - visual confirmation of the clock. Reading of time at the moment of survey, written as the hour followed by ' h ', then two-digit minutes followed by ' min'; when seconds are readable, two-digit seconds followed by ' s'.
8 h 28 min
